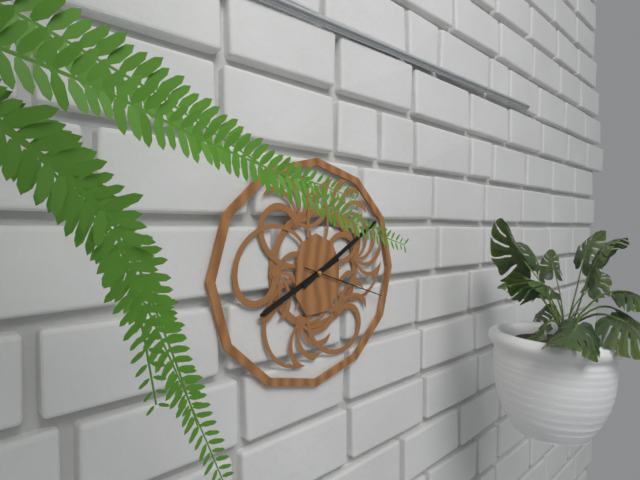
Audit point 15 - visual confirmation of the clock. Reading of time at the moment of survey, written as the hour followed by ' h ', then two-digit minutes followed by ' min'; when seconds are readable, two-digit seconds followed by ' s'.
8 h 10 min 18 s
